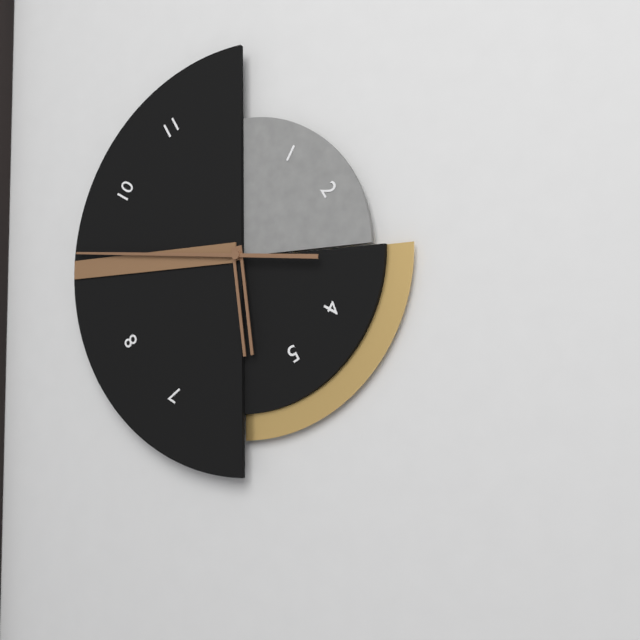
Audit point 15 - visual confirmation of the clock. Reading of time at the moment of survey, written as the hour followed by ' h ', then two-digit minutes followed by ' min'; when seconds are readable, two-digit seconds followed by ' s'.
5 h 46 min
